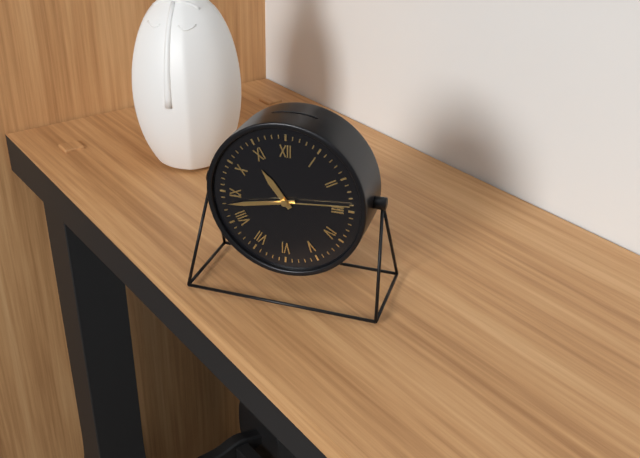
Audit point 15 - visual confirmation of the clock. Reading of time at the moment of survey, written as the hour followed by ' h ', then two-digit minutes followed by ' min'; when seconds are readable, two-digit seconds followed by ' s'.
10 h 43 min 14 s
